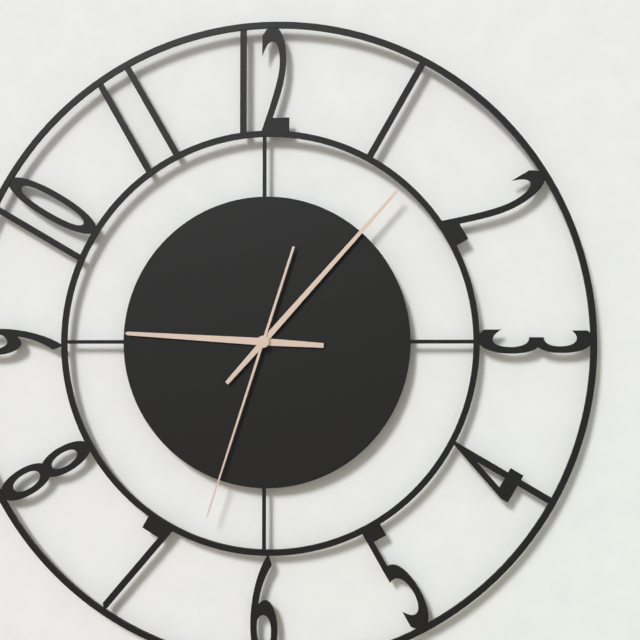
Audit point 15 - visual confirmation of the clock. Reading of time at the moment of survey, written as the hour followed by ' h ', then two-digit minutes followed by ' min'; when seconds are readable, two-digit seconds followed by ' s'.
9 h 07 min 33 s
